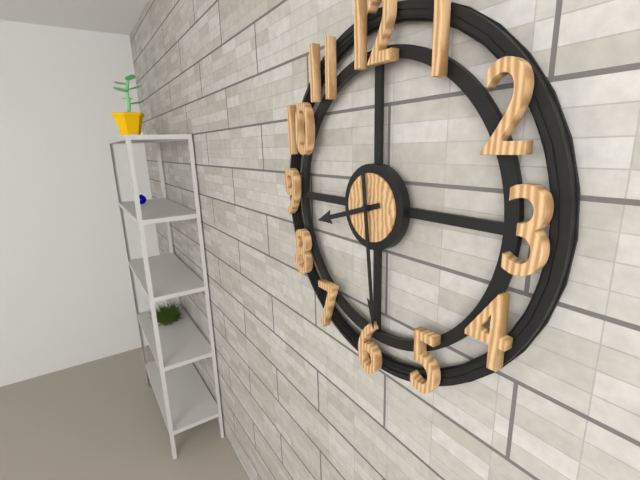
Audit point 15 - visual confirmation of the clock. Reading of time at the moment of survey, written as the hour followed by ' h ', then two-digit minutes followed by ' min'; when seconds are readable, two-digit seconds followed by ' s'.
8 h 29 min
